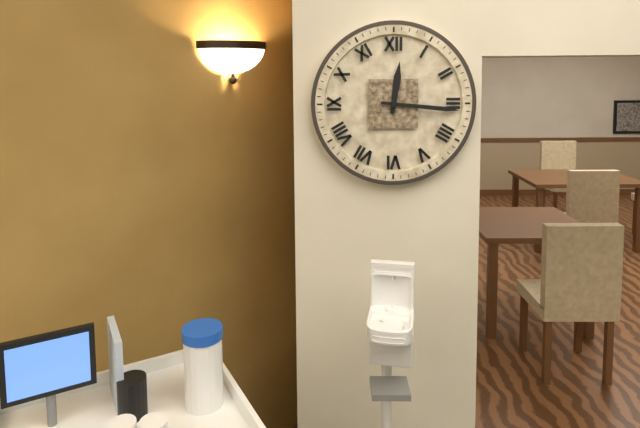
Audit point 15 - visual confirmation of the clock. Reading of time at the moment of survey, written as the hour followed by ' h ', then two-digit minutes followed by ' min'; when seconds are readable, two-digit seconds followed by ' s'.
12 h 16 min
